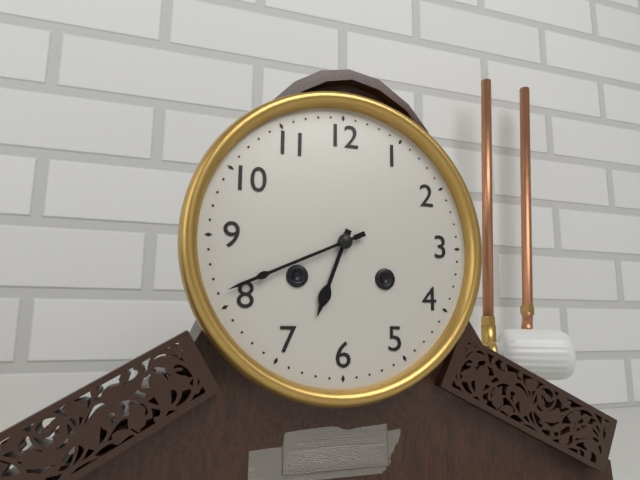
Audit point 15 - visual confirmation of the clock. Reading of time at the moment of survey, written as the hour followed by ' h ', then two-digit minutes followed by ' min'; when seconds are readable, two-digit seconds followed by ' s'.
6 h 41 min
